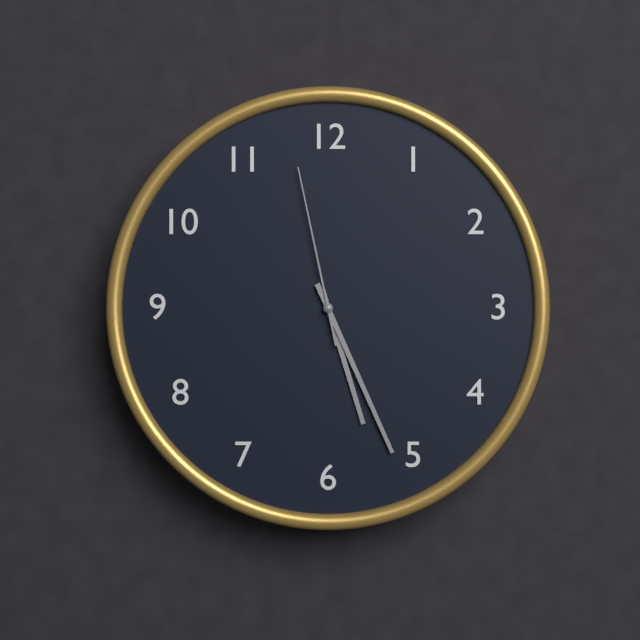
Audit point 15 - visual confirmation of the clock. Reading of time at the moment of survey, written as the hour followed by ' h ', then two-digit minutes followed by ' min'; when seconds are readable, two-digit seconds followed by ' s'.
5 h 26 min 58 s
